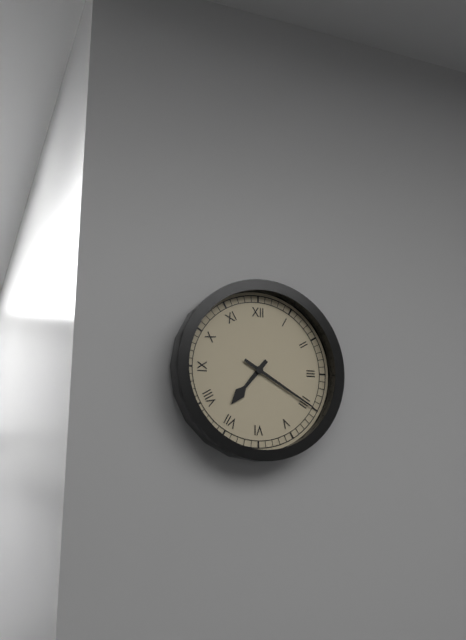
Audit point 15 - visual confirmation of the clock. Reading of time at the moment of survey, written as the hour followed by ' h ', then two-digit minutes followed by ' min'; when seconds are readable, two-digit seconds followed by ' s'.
7 h 20 min
